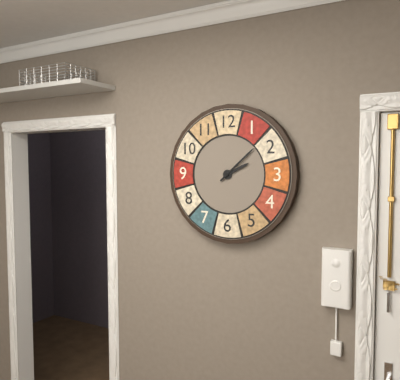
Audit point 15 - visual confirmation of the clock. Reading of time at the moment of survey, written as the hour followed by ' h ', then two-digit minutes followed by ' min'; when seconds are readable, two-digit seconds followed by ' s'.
2 h 08 min
